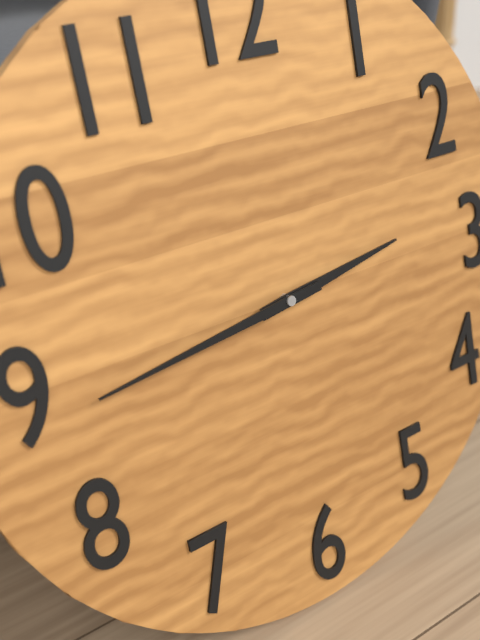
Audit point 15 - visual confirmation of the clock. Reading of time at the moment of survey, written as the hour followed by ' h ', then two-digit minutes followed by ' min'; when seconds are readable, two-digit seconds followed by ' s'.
2 h 44 min
